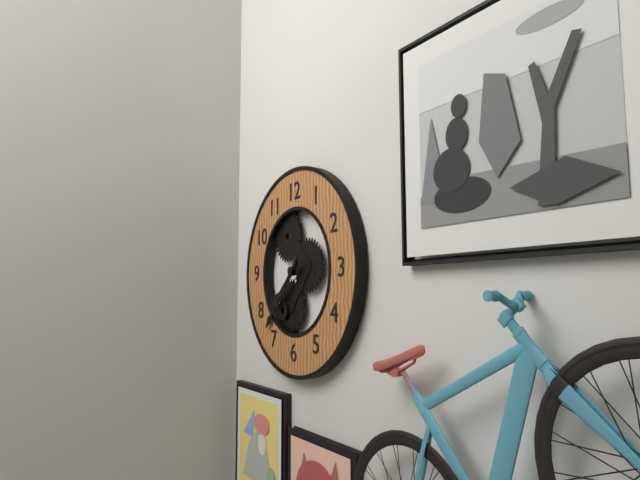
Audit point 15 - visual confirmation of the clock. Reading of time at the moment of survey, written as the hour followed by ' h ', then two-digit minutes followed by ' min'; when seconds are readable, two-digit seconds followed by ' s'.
7 h 37 min
